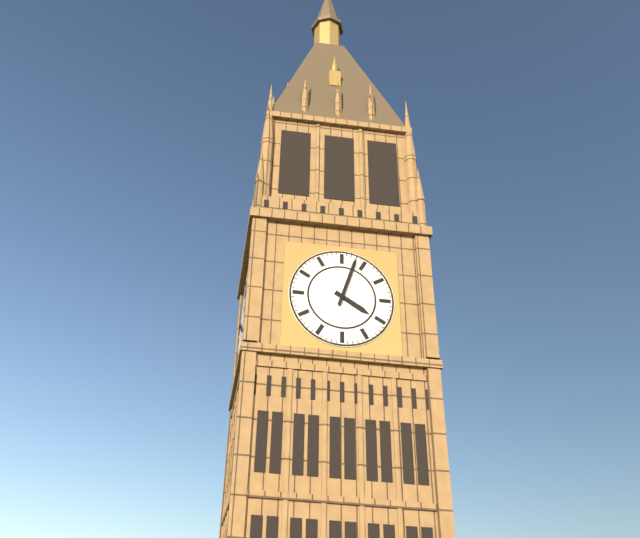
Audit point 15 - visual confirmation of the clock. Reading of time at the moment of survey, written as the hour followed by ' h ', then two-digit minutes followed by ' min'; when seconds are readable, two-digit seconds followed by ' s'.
4 h 03 min
